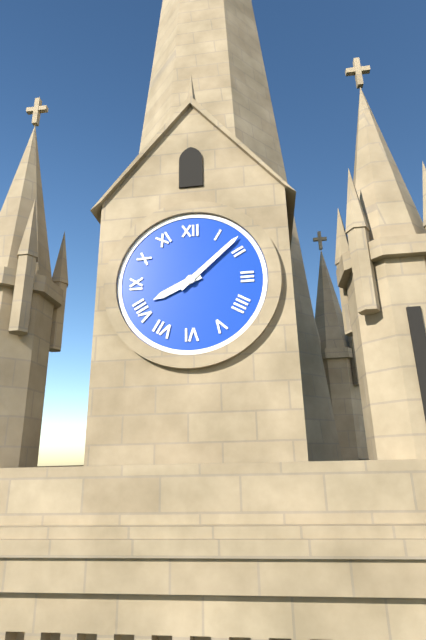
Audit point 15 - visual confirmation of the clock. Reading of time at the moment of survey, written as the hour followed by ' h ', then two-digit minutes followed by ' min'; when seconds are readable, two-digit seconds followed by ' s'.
8 h 08 min
